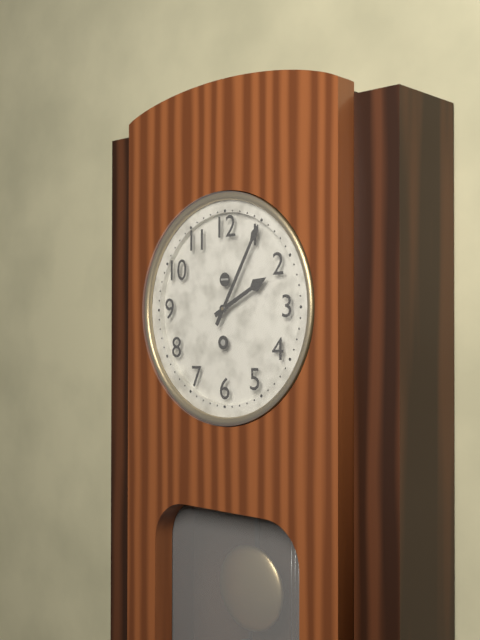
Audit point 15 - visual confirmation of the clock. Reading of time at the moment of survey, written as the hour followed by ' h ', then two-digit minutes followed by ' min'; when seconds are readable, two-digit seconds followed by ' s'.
2 h 05 min
